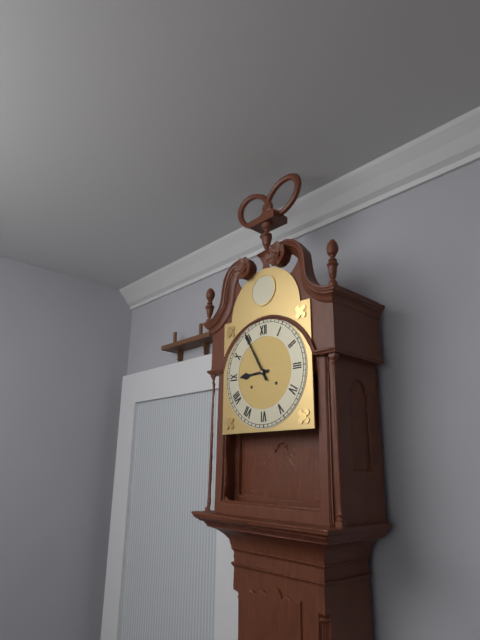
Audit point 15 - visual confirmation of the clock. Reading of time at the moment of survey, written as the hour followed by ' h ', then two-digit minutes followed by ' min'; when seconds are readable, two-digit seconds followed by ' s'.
8 h 55 min
